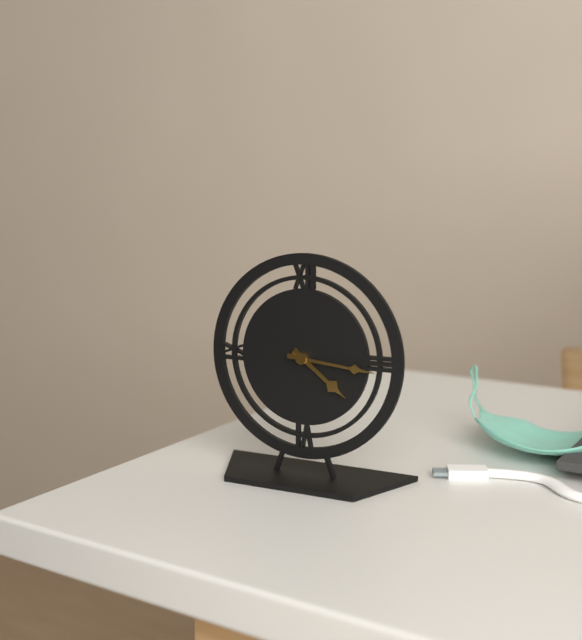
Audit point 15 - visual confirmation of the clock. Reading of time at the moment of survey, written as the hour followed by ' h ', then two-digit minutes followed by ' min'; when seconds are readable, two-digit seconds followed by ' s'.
4 h 16 min
